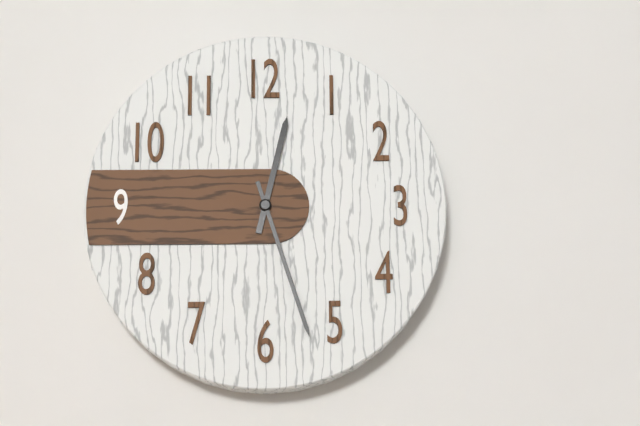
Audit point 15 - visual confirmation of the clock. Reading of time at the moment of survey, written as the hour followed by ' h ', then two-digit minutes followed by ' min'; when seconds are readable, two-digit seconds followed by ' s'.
12 h 27 min
